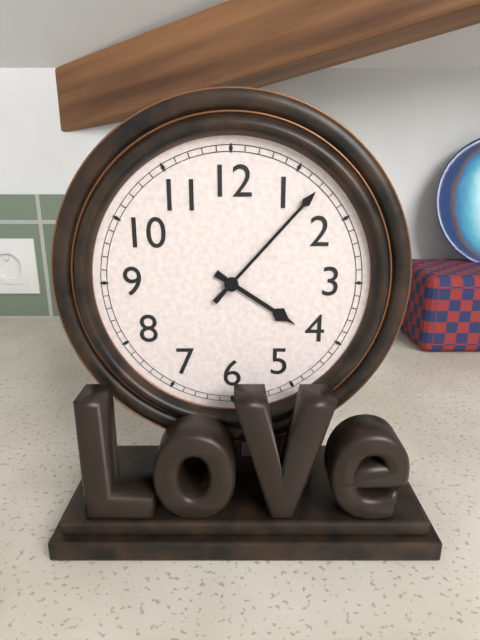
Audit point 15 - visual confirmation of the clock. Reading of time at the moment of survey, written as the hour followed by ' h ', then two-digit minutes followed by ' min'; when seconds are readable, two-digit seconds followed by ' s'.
4 h 07 min
